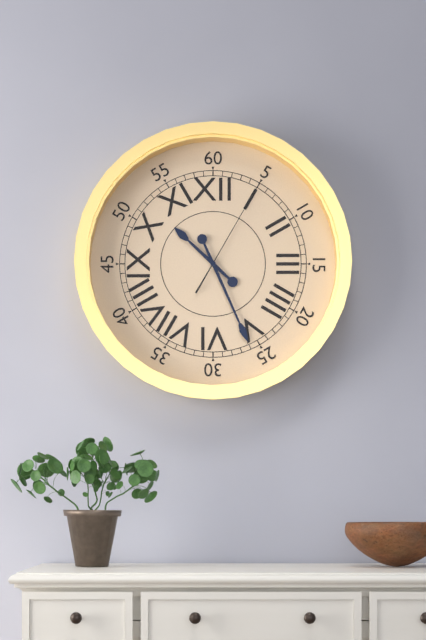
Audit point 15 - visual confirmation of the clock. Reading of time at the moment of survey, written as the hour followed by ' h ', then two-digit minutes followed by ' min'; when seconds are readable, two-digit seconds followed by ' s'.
10 h 26 min 05 s
